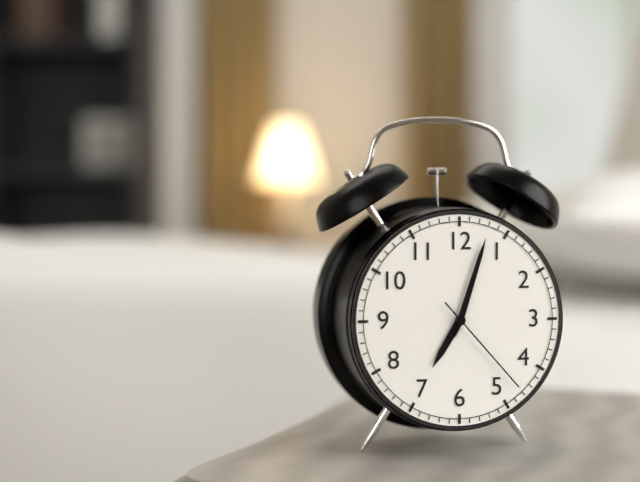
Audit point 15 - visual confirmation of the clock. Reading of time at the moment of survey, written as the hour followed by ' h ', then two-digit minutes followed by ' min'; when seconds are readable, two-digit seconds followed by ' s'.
7 h 03 min 23 s
